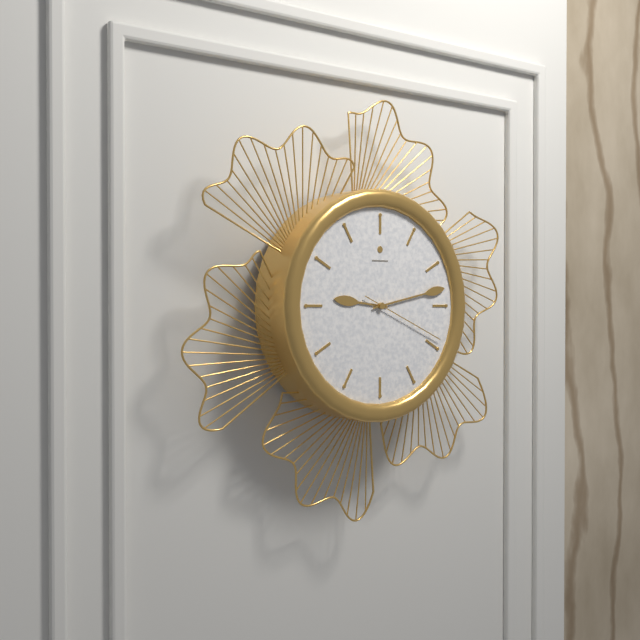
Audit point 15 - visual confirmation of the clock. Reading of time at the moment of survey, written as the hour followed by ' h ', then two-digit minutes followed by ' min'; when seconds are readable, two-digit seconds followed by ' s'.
9 h 13 min 19 s
